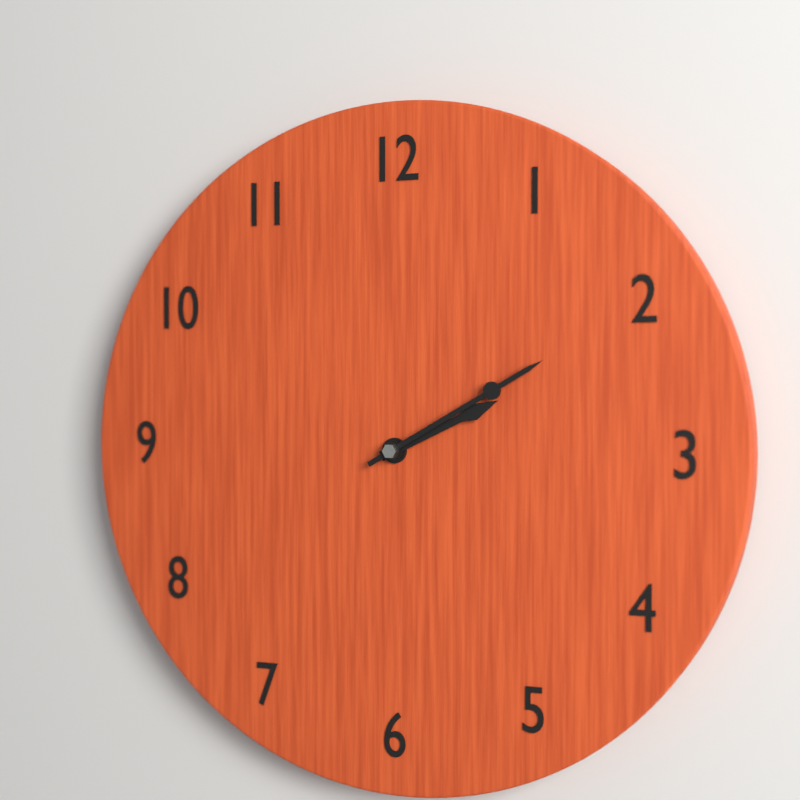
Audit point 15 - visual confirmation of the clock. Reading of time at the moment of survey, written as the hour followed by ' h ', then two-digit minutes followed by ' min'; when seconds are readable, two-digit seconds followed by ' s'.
2 h 10 min
